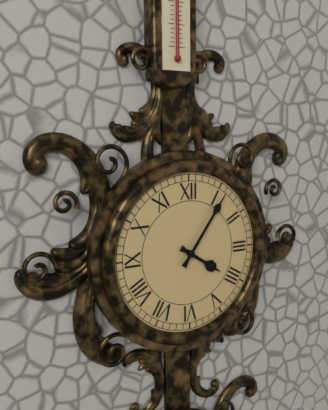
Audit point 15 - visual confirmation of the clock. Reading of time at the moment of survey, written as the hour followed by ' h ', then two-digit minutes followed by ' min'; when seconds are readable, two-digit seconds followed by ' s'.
4 h 06 min
